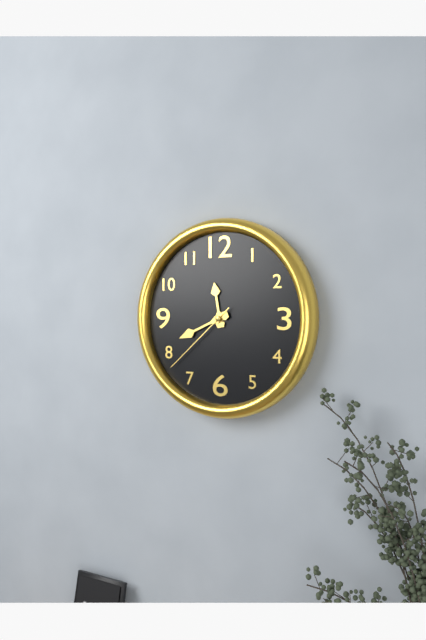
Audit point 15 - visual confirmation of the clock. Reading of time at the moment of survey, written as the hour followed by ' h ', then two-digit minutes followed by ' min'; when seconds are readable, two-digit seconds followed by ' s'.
11 h 41 min 38 s
